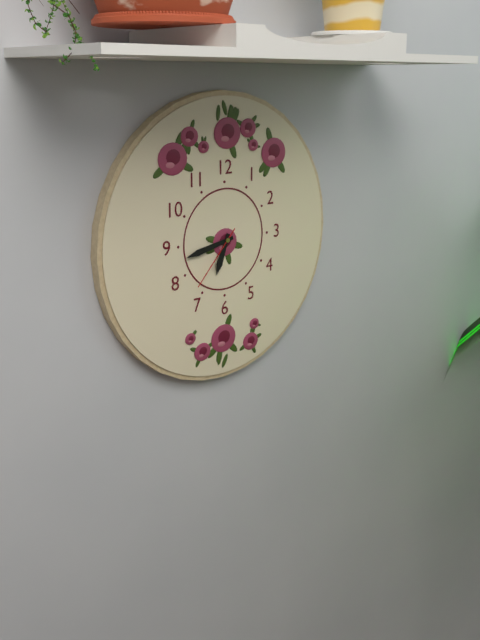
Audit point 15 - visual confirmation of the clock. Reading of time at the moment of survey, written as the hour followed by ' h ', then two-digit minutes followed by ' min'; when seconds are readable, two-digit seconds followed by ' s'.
6 h 43 min 37 s
